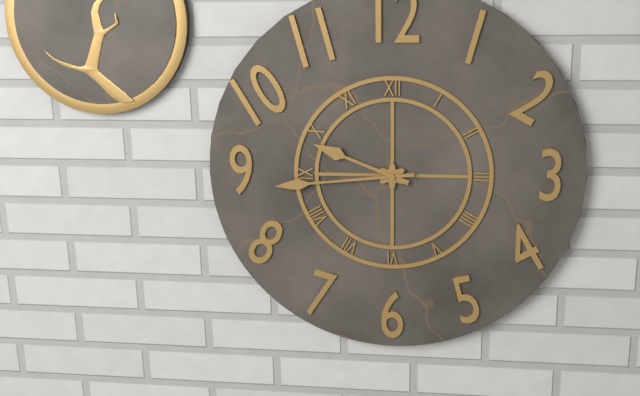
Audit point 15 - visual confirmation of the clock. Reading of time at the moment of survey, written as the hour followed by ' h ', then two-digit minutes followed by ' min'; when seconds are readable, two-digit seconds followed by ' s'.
9 h 44 min
